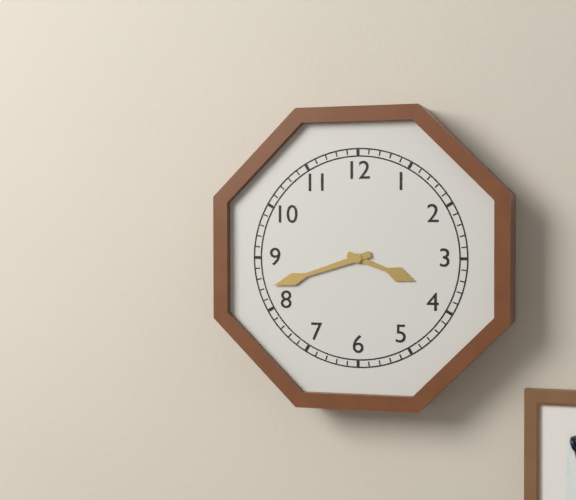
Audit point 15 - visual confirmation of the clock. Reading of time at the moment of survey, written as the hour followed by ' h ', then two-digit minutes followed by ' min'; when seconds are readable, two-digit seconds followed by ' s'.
3 h 42 min
